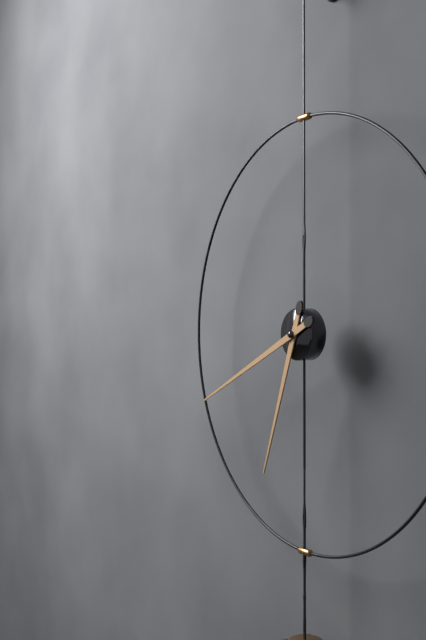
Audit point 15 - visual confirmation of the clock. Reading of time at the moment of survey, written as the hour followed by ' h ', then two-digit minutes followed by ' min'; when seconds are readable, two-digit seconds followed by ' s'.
6 h 41 min
